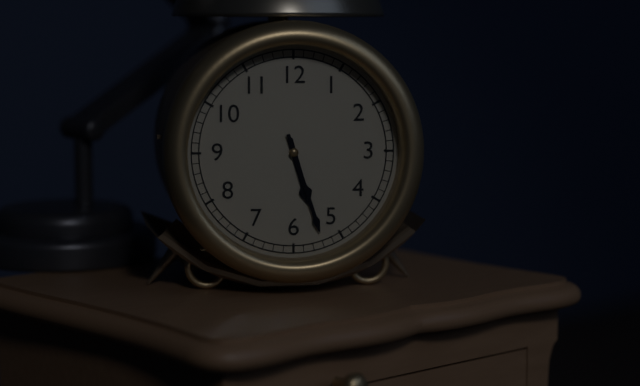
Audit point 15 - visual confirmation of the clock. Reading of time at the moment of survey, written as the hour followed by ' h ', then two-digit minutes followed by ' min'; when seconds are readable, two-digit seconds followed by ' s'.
5 h 27 min
